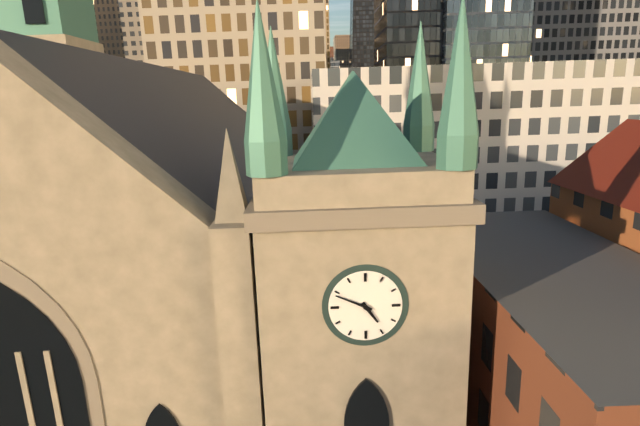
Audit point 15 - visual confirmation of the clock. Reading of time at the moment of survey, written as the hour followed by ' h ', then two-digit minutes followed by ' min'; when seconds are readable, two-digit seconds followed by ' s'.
4 h 49 min
